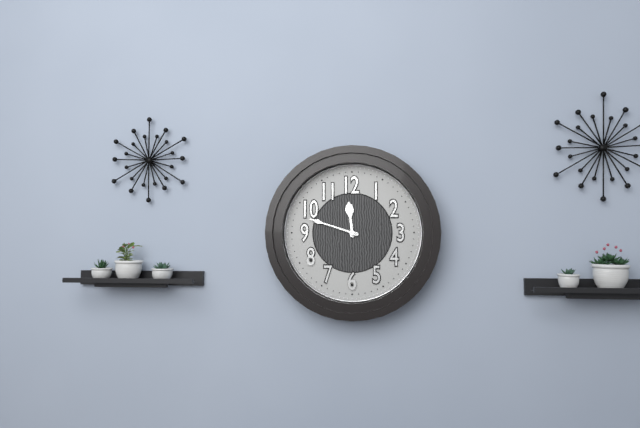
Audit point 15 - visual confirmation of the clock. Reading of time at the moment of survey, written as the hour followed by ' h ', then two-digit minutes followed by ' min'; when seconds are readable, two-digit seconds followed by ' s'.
11 h 48 min
